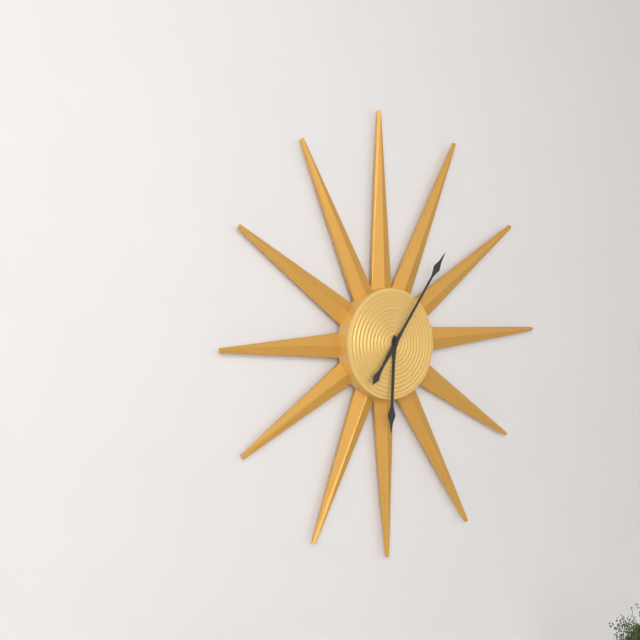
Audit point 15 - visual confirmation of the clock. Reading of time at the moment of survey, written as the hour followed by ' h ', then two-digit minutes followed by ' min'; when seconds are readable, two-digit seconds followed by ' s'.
6 h 06 min
